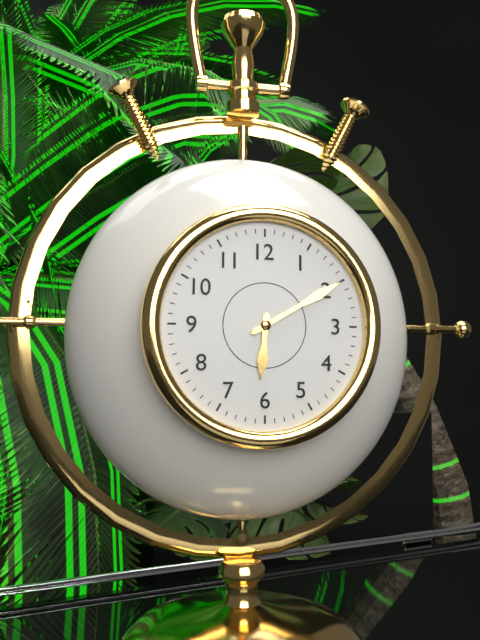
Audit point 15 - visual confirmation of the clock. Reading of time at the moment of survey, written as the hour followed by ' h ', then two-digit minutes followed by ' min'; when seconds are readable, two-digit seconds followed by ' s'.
6 h 10 min
